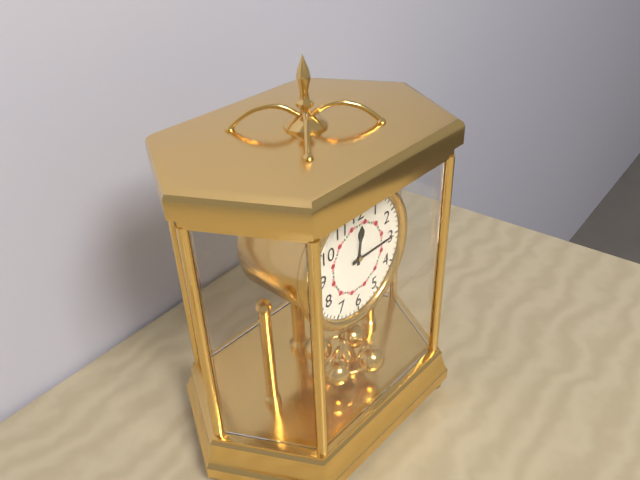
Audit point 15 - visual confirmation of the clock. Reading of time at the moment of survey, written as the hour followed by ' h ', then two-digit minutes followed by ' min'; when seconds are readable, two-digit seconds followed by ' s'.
12 h 15 min
